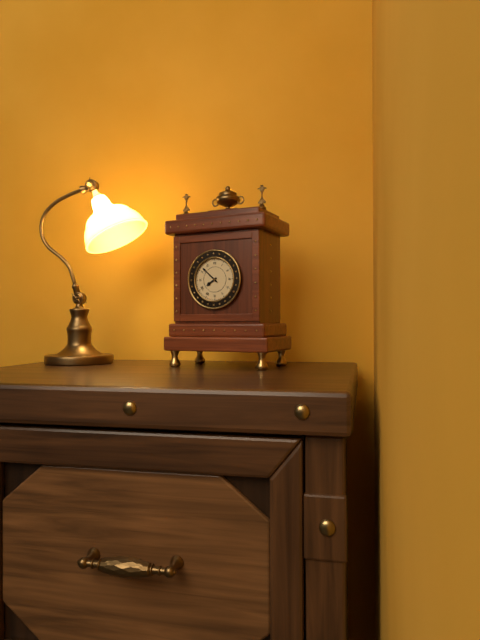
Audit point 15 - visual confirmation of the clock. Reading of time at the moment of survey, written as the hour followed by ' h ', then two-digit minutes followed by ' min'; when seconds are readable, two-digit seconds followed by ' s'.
7 h 52 min
